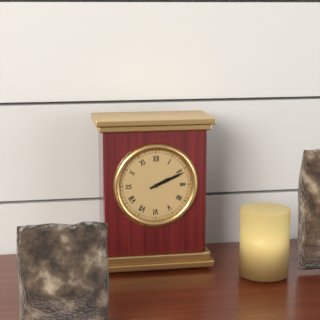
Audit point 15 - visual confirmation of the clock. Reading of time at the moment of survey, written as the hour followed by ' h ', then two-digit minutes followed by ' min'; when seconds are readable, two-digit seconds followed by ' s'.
2 h 11 min
